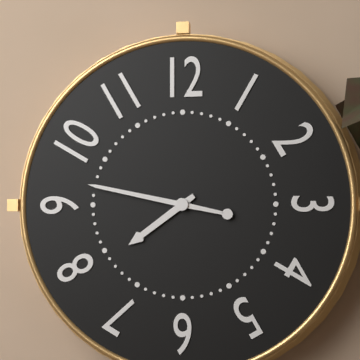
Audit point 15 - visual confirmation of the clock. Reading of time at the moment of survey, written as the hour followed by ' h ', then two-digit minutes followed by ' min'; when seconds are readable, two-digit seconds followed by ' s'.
7 h 47 min
